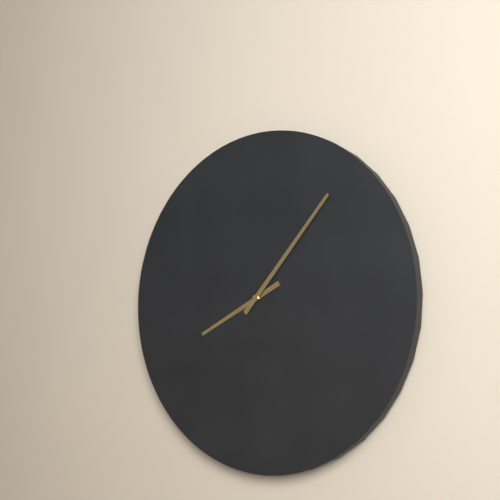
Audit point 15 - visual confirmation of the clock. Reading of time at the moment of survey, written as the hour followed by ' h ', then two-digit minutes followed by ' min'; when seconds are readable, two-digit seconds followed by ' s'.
8 h 07 min
